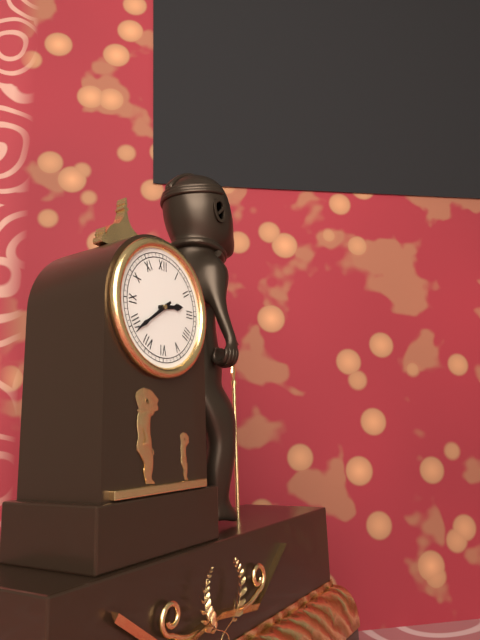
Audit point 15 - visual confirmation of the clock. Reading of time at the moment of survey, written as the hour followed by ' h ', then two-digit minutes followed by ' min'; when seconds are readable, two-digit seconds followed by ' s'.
2 h 39 min
